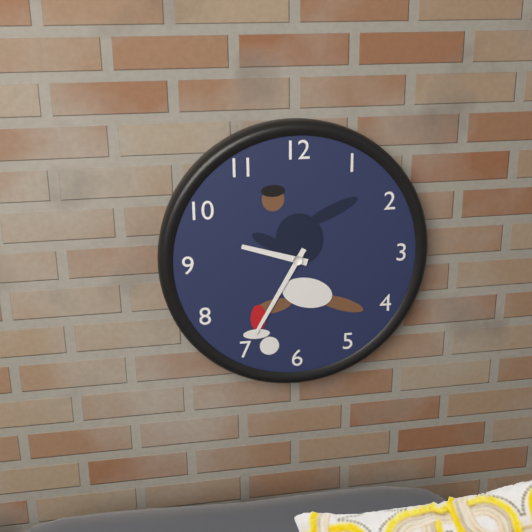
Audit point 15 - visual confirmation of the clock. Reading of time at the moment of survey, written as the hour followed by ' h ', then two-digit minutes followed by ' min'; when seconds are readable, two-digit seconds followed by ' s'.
9 h 35 min
